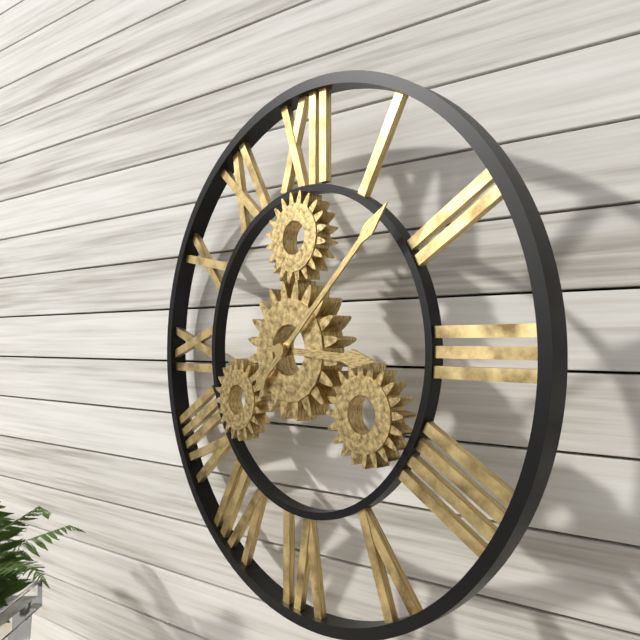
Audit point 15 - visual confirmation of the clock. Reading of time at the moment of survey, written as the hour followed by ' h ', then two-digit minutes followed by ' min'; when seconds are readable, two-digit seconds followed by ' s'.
3 h 08 min
